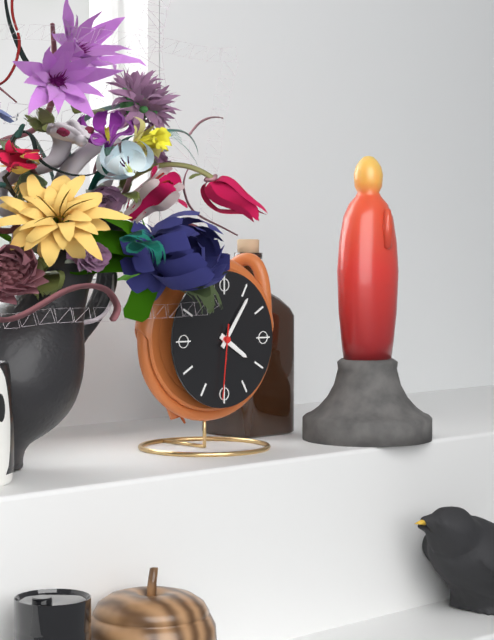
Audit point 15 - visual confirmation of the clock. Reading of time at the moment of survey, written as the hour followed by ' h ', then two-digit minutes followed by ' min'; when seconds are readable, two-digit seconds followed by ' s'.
4 h 06 min 31 s
